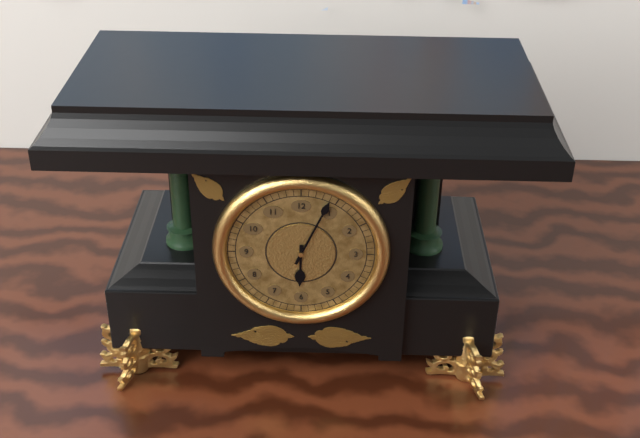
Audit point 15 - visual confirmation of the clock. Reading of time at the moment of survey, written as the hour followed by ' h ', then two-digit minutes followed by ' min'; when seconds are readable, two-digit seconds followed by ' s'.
6 h 04 min
